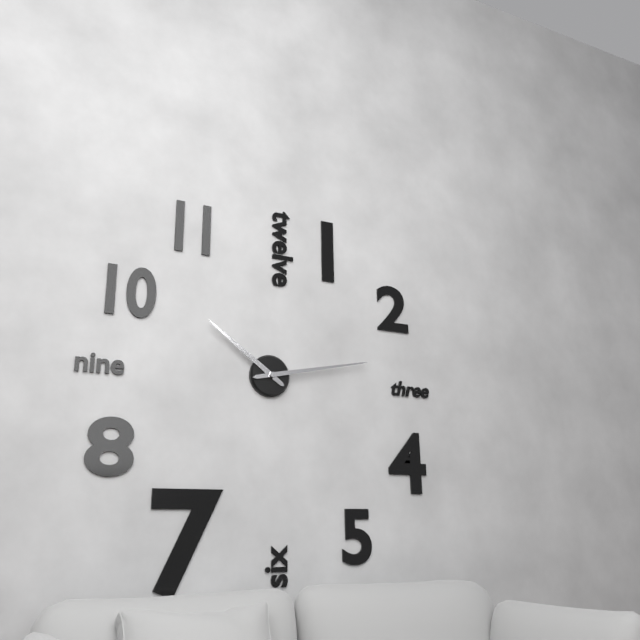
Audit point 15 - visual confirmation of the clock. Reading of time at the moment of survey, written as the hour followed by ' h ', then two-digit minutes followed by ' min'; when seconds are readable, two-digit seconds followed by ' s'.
10 h 13 min
